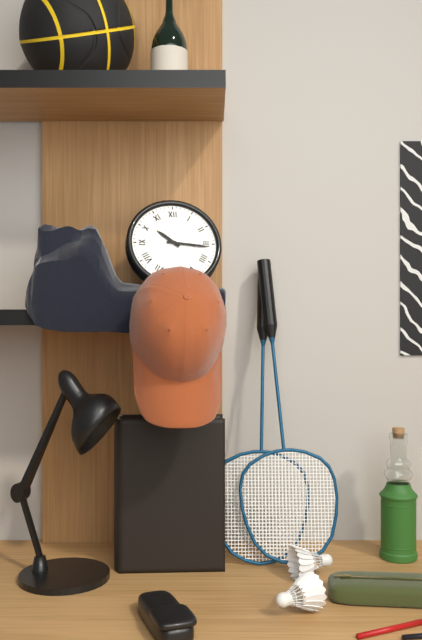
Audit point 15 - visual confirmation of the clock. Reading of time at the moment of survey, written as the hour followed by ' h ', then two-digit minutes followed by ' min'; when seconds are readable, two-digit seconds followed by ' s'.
10 h 16 min
